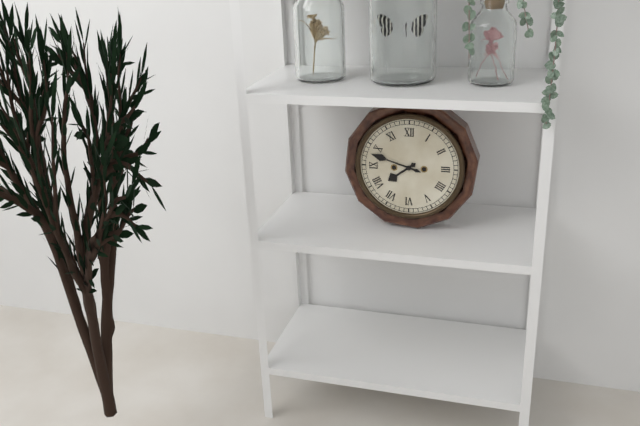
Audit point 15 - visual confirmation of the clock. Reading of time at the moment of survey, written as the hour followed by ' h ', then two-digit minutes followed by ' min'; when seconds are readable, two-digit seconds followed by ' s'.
7 h 48 min
